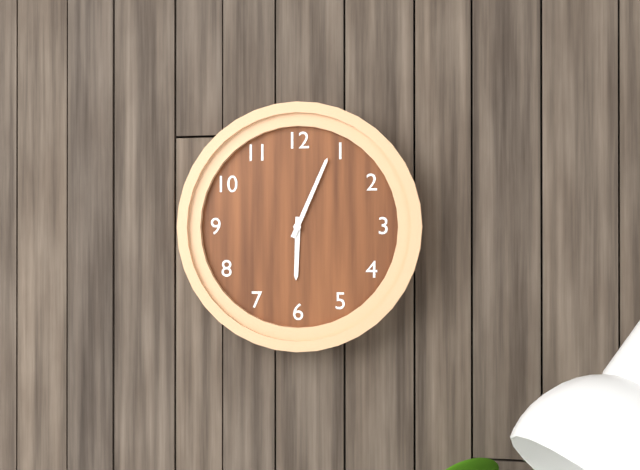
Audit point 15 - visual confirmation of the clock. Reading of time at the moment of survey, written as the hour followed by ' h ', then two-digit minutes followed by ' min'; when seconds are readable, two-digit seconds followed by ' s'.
6 h 04 min
